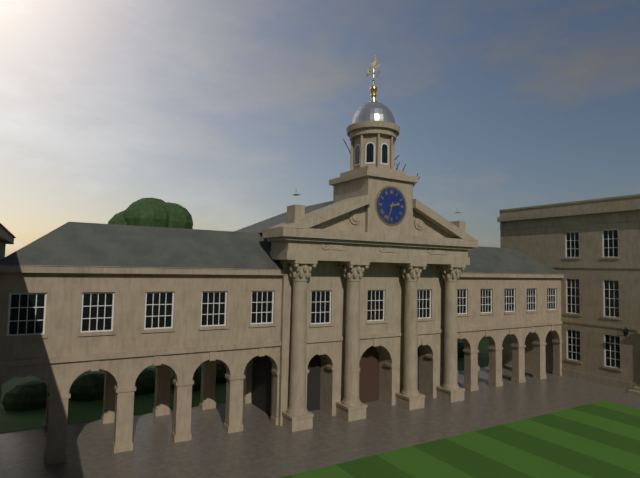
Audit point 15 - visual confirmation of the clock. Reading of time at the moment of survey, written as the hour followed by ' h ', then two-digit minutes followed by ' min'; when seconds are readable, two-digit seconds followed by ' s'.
2 h 33 min
